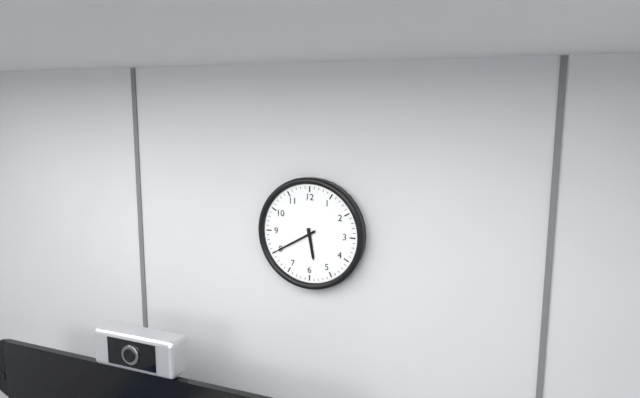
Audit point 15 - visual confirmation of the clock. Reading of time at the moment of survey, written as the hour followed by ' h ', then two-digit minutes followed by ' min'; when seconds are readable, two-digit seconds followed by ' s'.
5 h 40 min
